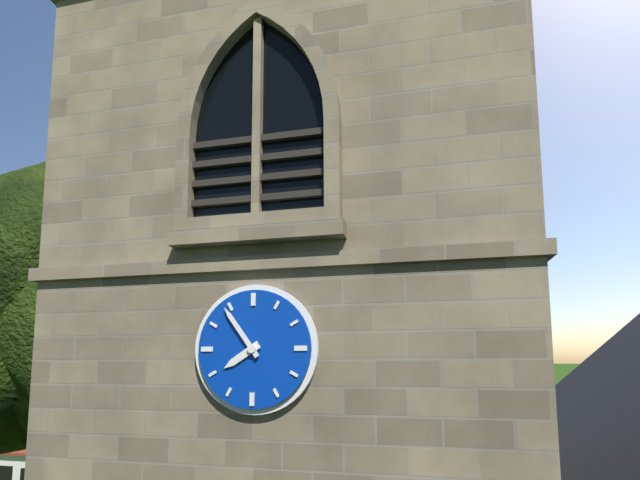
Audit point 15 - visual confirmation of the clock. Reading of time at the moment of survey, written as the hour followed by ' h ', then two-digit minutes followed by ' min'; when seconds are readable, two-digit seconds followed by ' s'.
7 h 54 min
